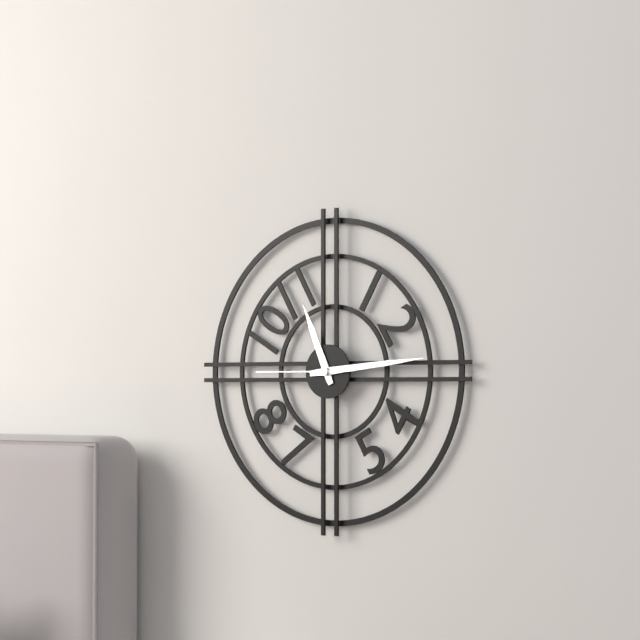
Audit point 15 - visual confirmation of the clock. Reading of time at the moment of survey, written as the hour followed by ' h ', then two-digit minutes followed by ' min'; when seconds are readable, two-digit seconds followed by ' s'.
11 h 14 min 45 s
